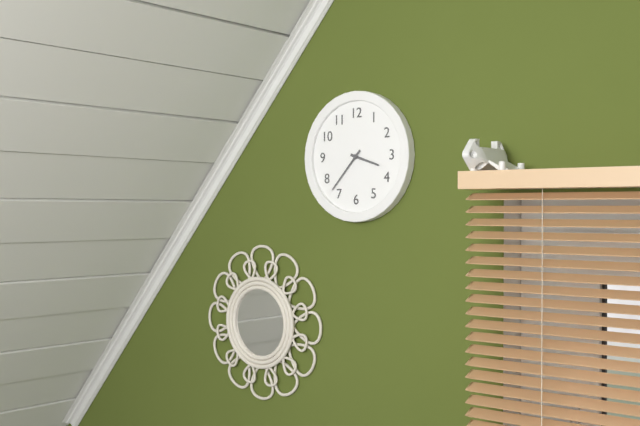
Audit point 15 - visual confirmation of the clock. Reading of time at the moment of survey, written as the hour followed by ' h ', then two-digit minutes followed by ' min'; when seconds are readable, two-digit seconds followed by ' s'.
3 h 37 min
